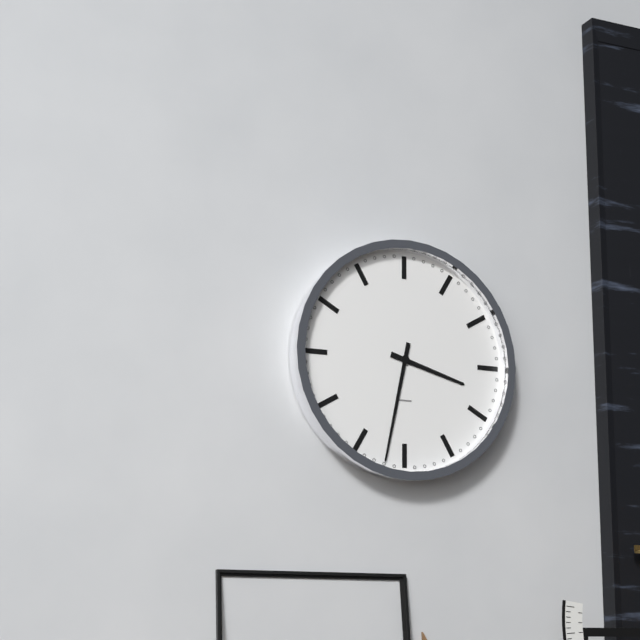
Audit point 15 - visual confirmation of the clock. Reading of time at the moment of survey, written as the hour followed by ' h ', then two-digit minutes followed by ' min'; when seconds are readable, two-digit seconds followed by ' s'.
3 h 32 min
